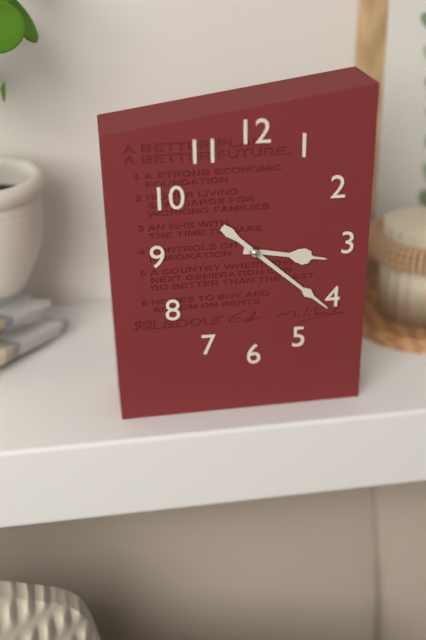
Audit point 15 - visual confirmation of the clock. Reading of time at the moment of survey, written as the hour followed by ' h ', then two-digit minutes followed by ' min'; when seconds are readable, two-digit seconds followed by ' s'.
3 h 22 min
